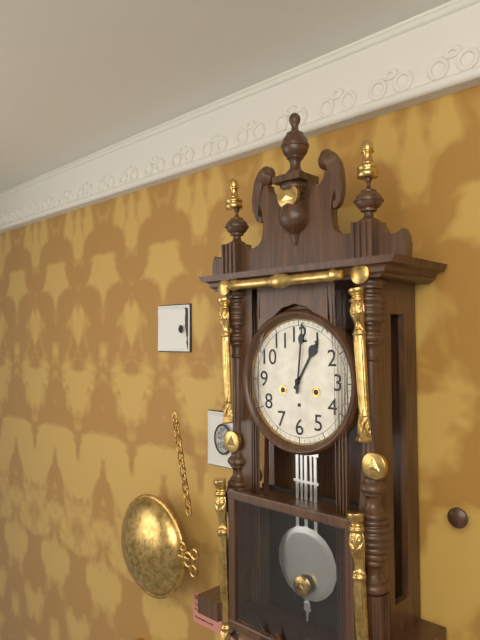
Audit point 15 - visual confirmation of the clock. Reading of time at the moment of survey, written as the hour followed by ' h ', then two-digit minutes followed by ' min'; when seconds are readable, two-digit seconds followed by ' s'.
1 h 01 min
